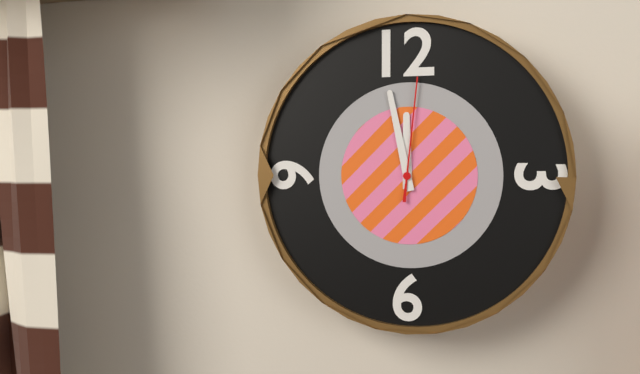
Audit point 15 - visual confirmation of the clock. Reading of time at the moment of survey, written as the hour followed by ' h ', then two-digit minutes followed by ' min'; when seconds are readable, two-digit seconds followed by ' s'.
11 h 58 min 01 s
